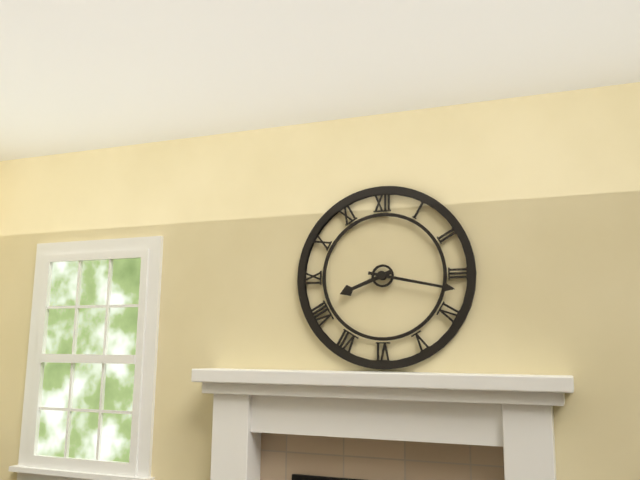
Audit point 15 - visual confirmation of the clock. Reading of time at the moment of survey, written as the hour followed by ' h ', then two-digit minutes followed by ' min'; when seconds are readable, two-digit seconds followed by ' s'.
8 h 17 min
